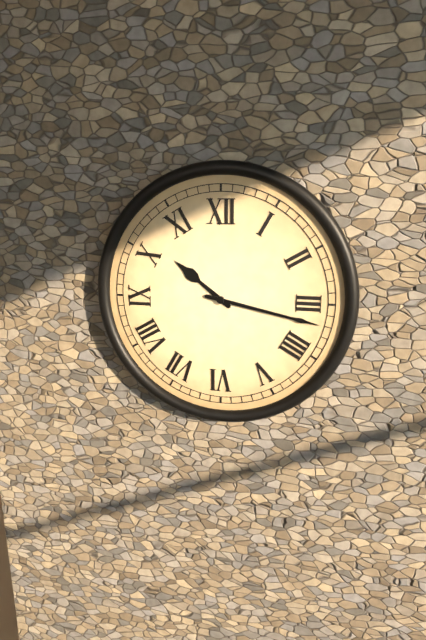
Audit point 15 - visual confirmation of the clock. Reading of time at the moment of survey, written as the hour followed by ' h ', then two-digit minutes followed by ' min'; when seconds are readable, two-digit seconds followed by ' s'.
10 h 17 min
